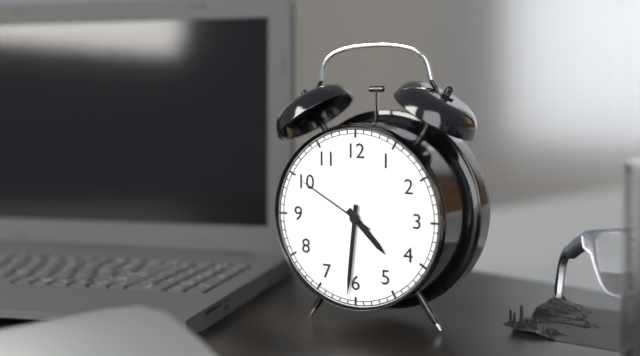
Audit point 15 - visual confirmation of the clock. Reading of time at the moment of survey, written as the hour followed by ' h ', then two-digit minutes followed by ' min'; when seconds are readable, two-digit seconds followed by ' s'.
4 h 31 min 50 s
